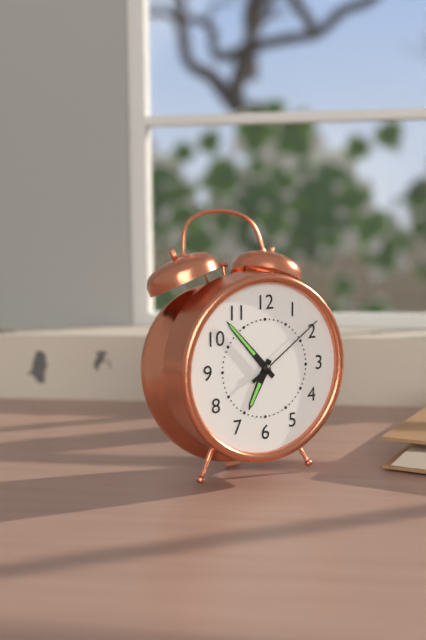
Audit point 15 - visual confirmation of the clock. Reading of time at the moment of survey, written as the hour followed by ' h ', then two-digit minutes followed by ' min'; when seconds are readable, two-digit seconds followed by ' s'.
6 h 53 min 09 s
